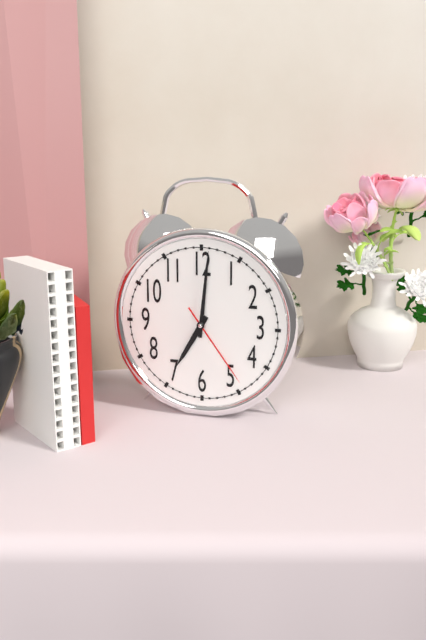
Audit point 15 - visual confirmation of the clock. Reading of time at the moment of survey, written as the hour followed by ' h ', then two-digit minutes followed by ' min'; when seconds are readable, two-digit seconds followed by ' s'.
7 h 01 min 24 s
